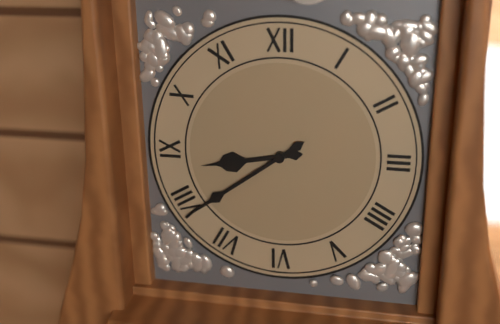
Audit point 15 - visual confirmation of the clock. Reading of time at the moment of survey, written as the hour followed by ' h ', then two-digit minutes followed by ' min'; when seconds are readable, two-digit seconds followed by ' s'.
8 h 39 min
